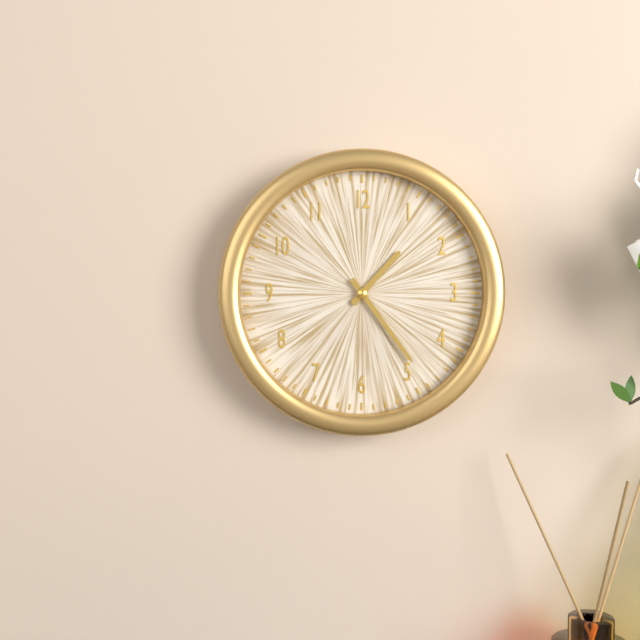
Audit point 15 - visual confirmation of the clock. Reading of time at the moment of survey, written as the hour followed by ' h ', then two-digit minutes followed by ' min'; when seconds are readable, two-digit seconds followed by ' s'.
1 h 24 min
